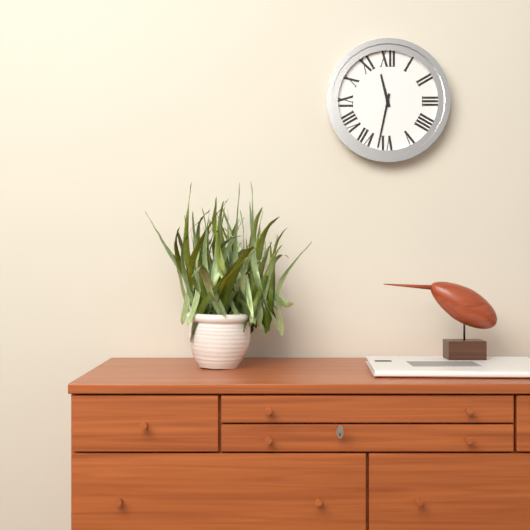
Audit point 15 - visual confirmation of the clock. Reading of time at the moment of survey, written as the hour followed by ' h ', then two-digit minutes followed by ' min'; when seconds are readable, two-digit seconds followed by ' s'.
11 h 32 min
